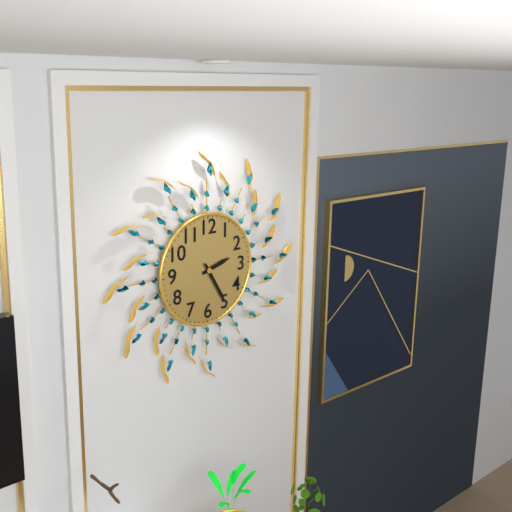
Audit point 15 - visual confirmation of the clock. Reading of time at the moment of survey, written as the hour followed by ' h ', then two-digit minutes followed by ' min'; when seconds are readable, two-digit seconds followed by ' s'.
2 h 25 min
